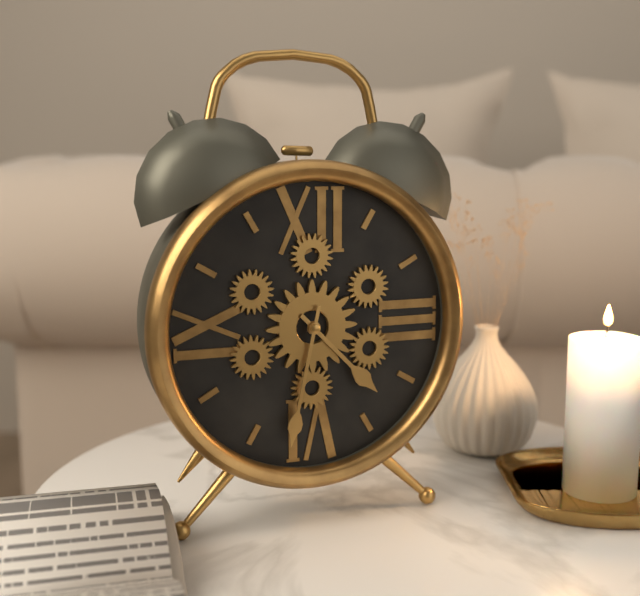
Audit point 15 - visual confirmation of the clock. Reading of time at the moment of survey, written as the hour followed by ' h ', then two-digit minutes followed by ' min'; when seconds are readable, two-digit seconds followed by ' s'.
4 h 32 min
